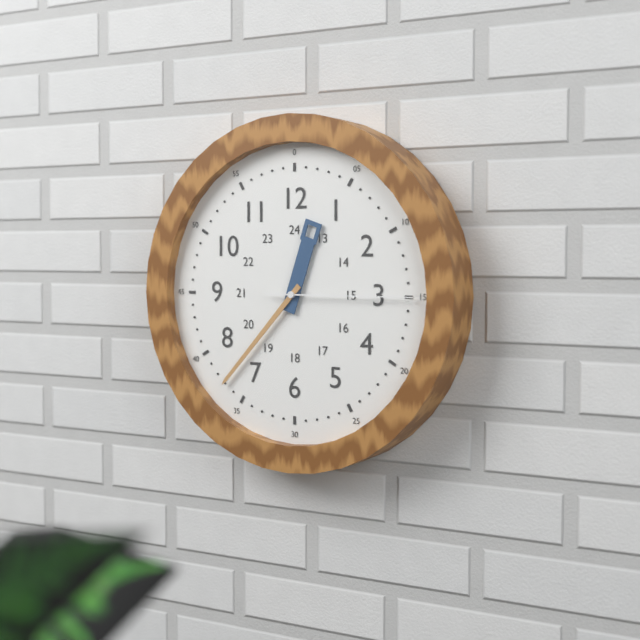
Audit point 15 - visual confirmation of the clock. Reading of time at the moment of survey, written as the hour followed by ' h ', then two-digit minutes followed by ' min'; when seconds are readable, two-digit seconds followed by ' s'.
12 h 37 min 15 s
